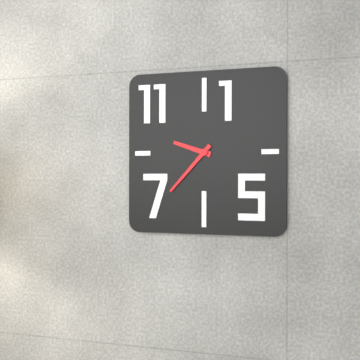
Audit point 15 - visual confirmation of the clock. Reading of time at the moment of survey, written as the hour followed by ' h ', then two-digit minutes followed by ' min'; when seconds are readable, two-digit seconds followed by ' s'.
9 h 37 min
